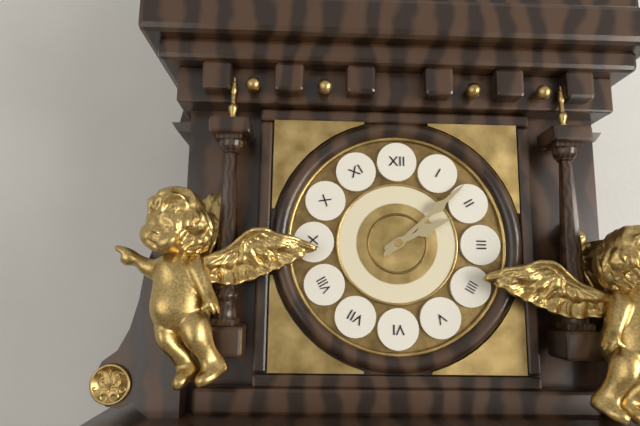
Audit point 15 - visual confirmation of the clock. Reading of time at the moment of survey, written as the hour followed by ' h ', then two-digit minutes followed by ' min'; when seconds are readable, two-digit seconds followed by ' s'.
2 h 08 min
